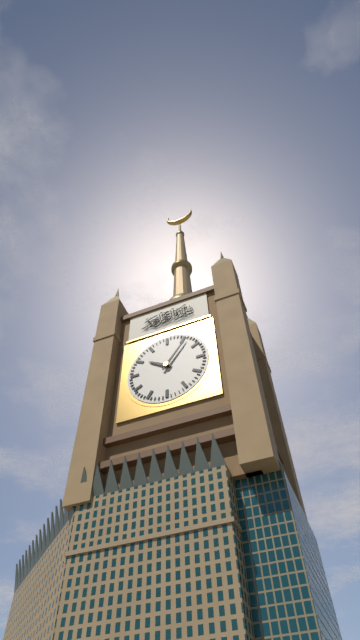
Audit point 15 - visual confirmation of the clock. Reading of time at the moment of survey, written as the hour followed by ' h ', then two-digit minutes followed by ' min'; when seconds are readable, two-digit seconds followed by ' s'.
10 h 06 min
